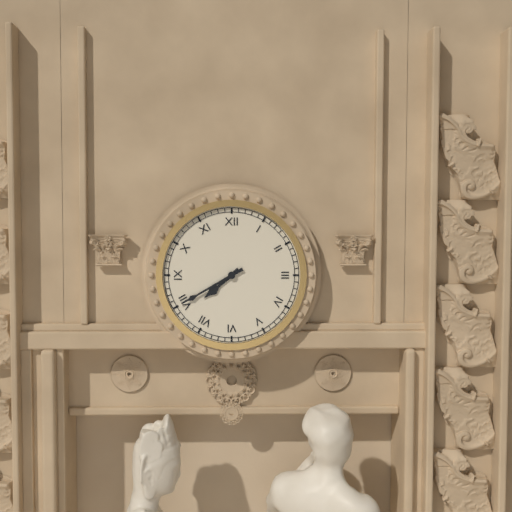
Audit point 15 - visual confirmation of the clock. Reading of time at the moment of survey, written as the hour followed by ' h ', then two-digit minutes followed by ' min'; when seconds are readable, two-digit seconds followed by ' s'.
7 h 40 min
